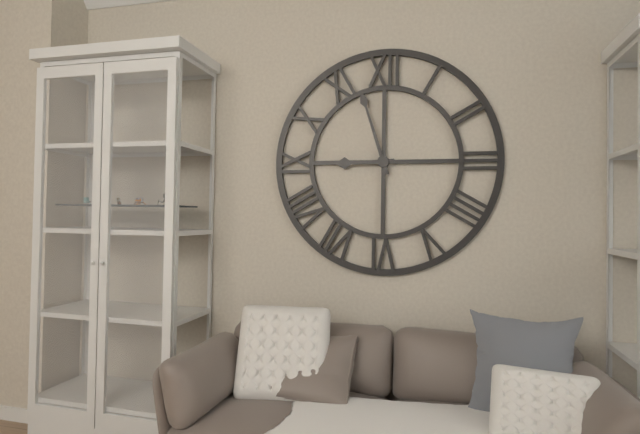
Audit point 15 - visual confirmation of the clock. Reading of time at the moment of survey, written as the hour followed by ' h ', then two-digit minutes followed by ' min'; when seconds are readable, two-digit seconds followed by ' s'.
8 h 57 min
